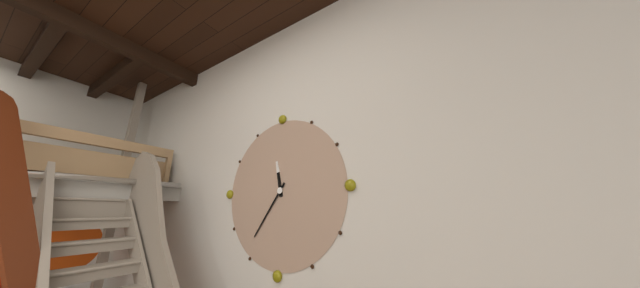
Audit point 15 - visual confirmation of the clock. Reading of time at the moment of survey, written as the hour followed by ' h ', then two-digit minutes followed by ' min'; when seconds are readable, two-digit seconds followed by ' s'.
11 h 36 min
